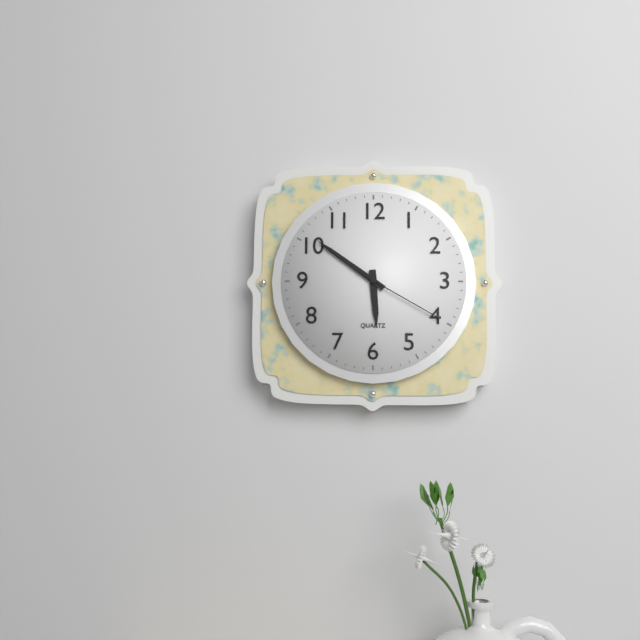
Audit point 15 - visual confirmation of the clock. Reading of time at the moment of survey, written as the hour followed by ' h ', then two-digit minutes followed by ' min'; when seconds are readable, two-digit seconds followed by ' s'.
5 h 51 min 20 s
